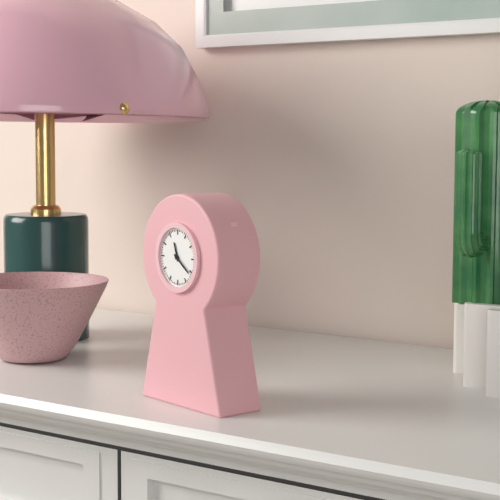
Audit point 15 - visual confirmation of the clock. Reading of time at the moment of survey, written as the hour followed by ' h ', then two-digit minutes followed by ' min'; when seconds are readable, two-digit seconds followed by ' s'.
11 h 21 min
